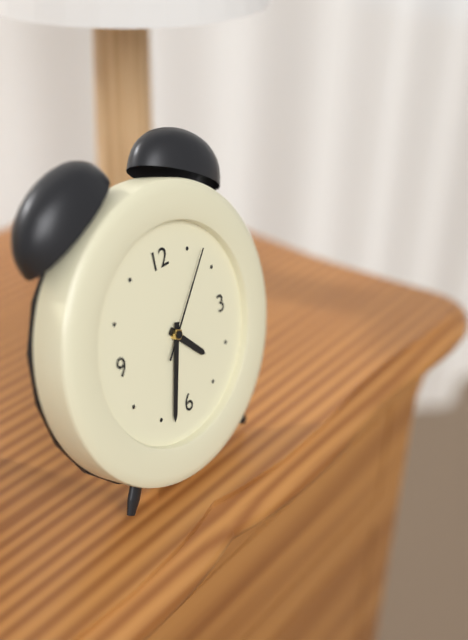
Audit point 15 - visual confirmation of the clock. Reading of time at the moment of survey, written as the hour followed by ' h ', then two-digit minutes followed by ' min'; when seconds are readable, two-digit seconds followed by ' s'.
4 h 33 min 07 s
